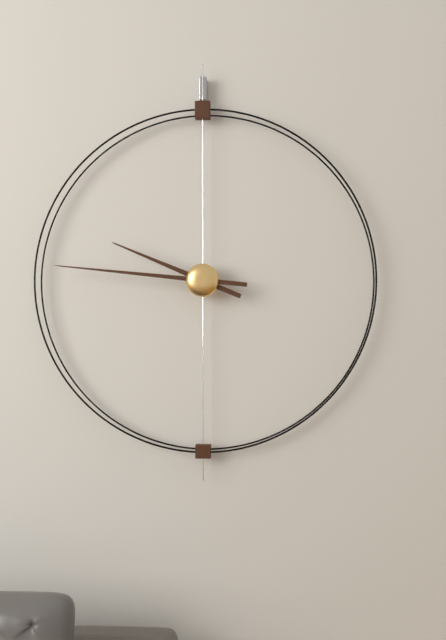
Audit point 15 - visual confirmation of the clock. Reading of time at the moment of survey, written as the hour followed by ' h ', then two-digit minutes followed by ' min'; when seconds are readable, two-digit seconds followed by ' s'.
9 h 46 min
